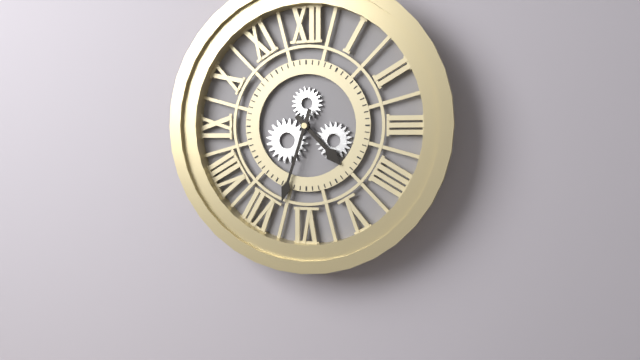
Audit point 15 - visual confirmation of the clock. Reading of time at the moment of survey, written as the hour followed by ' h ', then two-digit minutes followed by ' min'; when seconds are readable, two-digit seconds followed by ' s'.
4 h 33 min
